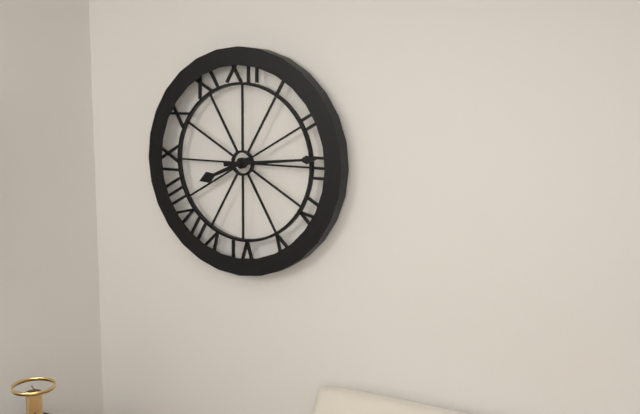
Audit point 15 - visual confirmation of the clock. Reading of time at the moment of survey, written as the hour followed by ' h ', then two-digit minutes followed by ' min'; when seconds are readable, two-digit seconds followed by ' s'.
8 h 14 min
